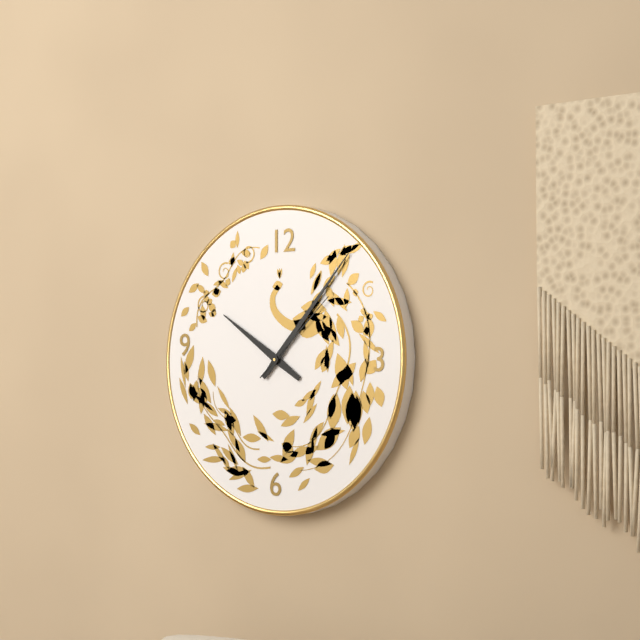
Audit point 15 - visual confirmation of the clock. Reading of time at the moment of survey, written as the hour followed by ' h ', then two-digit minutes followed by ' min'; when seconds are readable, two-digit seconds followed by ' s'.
10 h 07 min 08 s
